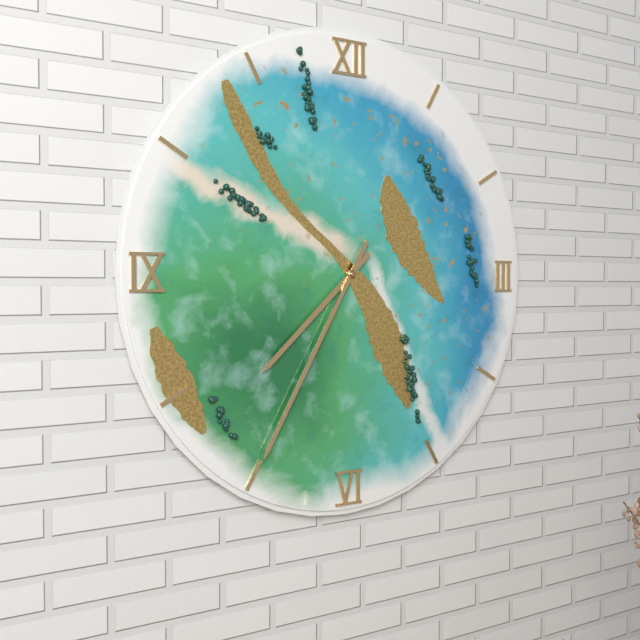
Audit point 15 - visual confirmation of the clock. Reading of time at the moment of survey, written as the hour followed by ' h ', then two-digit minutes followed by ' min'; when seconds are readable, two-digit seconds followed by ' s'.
7 h 35 min
